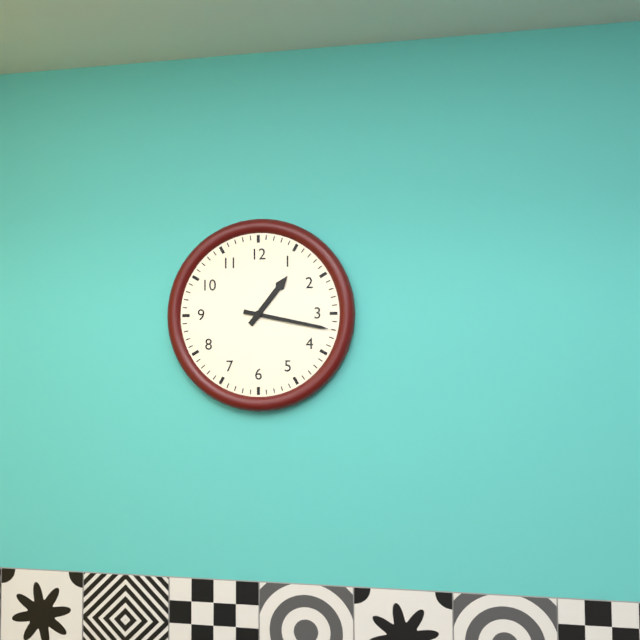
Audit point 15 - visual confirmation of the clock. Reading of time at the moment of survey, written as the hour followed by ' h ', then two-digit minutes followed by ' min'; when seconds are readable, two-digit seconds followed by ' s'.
1 h 17 min
